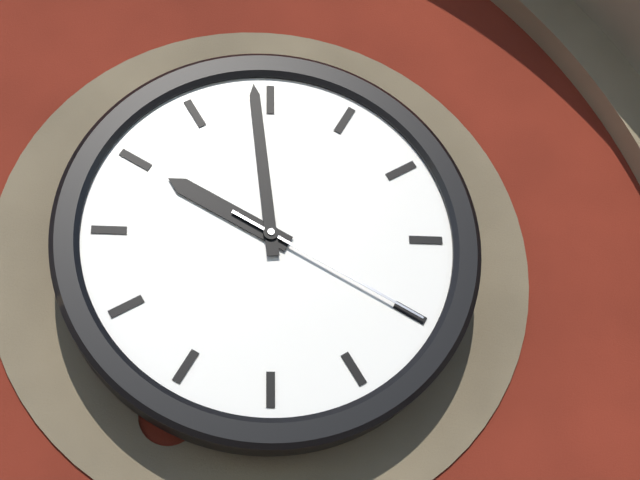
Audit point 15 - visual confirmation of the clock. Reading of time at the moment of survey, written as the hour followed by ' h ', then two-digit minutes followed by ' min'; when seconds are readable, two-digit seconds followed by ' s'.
9 h 59 min 20 s
